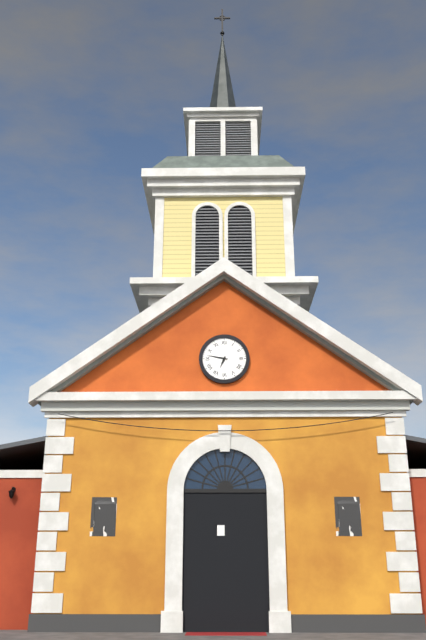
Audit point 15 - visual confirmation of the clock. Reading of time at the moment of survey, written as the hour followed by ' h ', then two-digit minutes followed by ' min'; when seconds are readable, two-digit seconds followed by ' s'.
6 h 47 min
